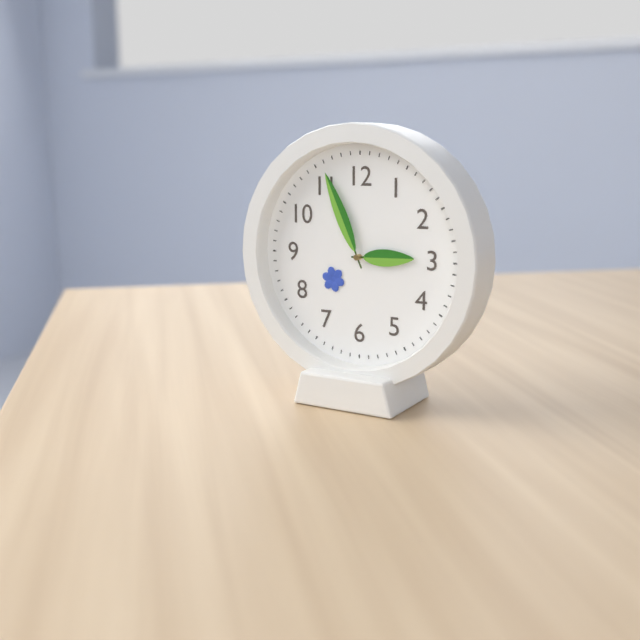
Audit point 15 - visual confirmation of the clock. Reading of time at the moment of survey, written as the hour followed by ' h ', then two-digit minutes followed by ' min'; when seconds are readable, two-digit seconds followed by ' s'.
2 h 56 min
